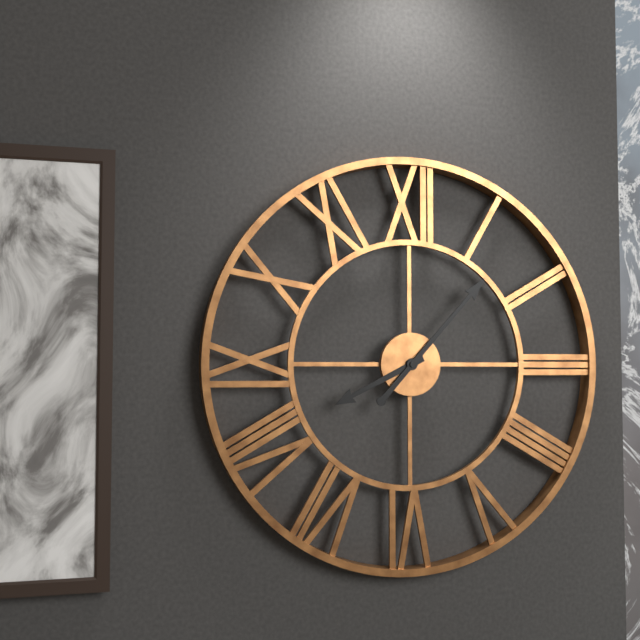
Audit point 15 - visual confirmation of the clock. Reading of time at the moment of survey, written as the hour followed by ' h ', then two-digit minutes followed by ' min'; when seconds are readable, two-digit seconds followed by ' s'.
8 h 07 min
